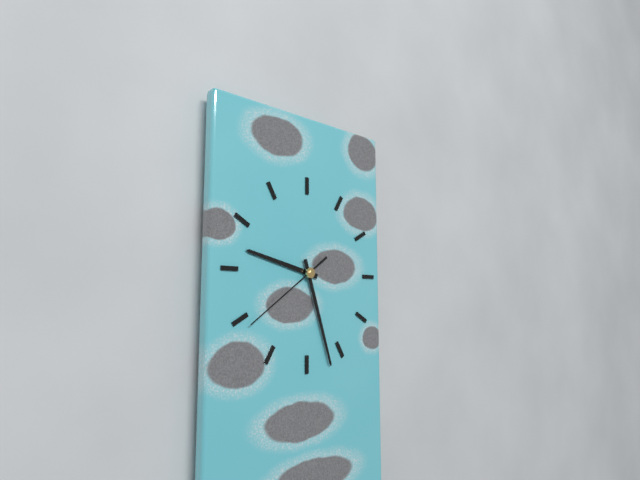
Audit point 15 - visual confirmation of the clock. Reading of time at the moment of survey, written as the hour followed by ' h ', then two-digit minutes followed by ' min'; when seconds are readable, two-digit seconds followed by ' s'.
9 h 27 min 39 s
